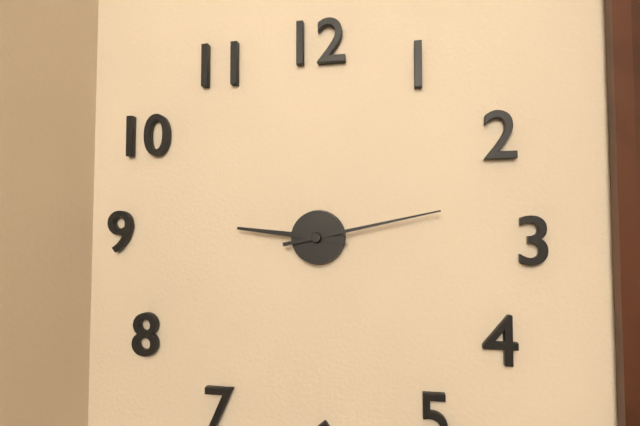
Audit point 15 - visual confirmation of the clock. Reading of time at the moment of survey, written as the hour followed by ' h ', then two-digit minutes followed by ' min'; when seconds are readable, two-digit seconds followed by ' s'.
9 h 13 min
